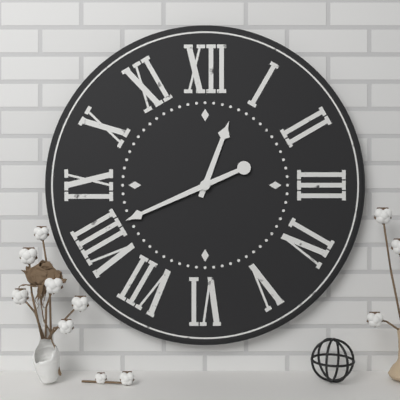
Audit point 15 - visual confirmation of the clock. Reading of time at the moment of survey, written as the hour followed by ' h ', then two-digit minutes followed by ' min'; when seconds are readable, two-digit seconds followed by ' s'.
12 h 41 min
